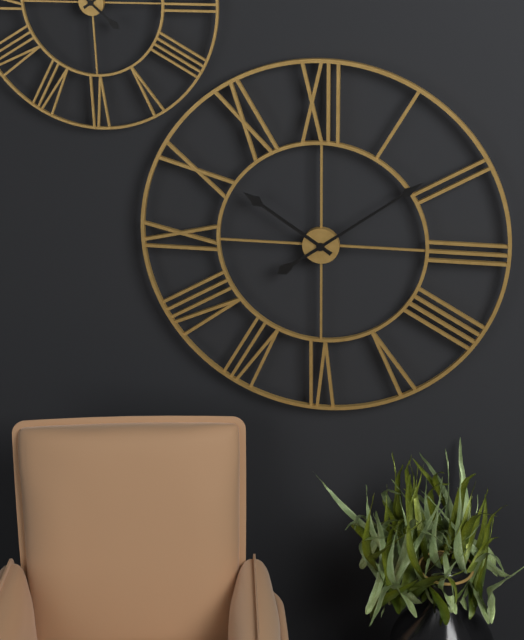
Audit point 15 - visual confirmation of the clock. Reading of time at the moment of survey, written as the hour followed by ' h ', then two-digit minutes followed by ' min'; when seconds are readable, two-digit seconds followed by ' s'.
10 h 09 min
